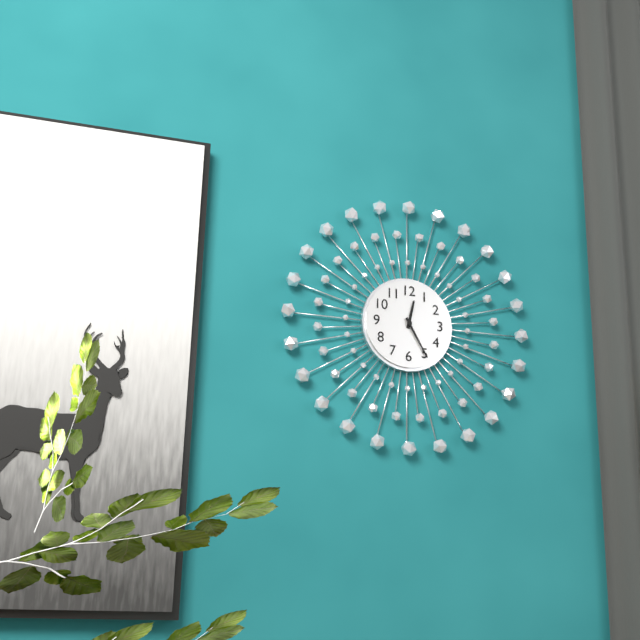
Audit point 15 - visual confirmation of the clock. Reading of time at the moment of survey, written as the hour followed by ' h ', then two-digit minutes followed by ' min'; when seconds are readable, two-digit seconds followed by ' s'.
12 h 25 min
